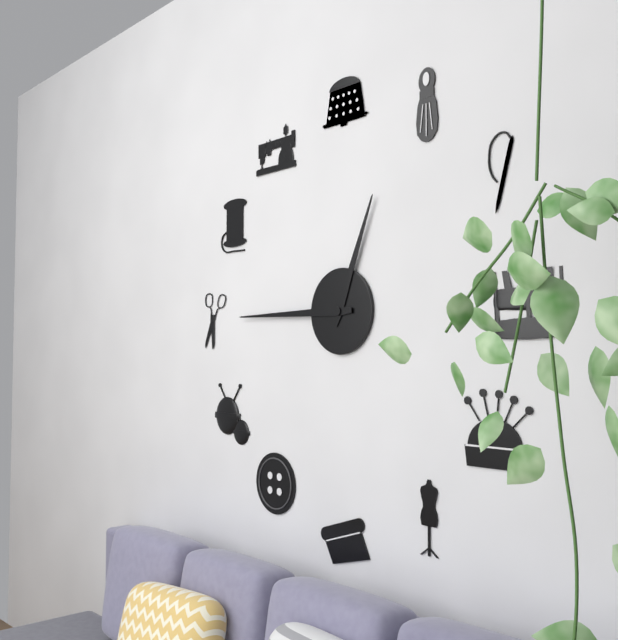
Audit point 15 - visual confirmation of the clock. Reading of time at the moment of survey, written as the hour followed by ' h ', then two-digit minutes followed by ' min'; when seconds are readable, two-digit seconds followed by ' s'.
12 h 45 min
